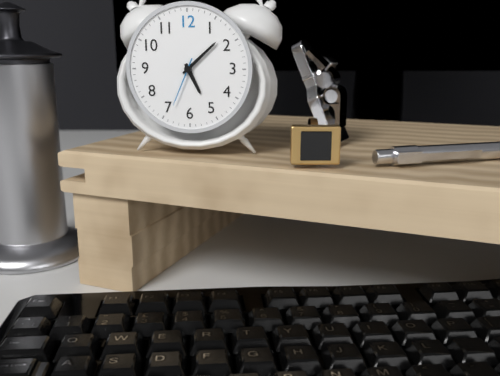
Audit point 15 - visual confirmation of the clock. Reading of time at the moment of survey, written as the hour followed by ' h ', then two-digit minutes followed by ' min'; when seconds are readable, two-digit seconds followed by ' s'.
5 h 08 min
